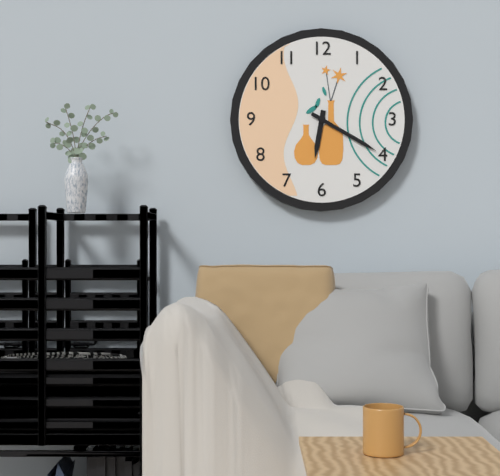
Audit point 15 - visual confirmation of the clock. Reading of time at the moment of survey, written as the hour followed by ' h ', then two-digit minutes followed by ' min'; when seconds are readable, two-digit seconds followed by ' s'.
6 h 20 min
